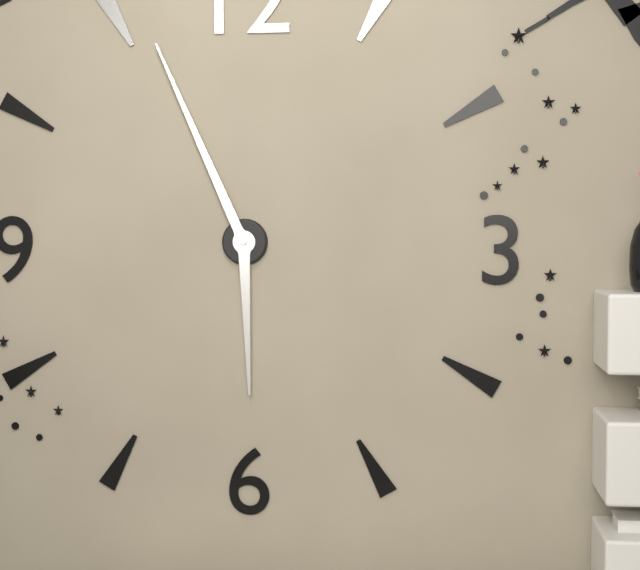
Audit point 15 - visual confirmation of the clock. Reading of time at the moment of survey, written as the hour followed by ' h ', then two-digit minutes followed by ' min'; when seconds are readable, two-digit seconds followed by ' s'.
5 h 56 min
